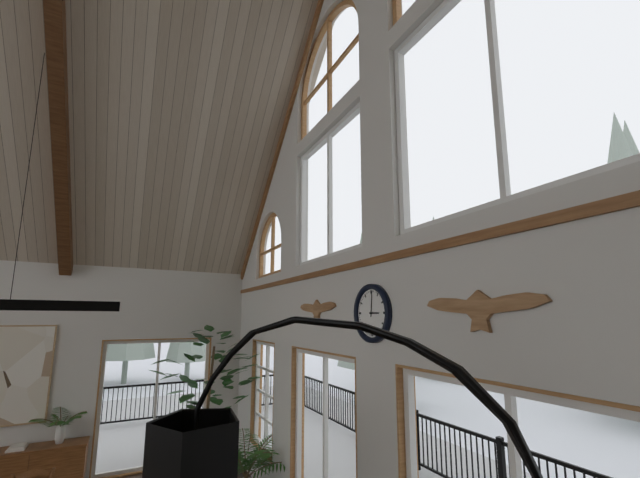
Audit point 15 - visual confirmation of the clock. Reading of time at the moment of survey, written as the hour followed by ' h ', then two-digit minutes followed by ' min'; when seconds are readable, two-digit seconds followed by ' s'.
3 h 01 min
